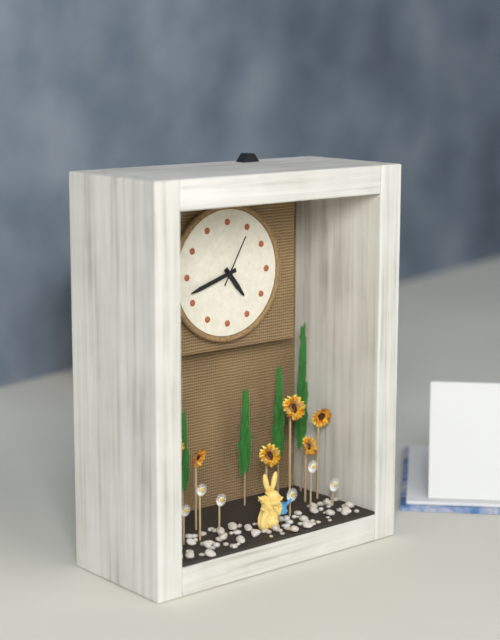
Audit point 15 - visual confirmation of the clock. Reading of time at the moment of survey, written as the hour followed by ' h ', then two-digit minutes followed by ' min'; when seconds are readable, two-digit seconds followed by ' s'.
4 h 42 min 05 s
